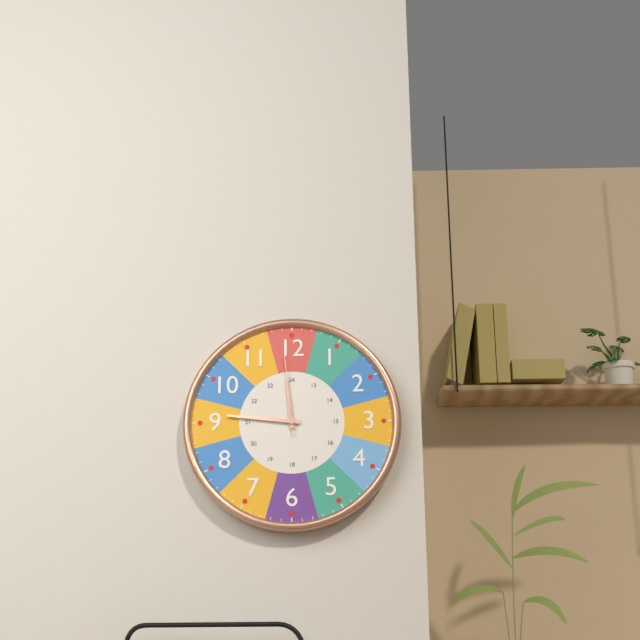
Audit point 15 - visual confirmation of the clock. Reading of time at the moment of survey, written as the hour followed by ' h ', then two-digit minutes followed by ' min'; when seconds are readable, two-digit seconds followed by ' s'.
11 h 46 min 59 s
